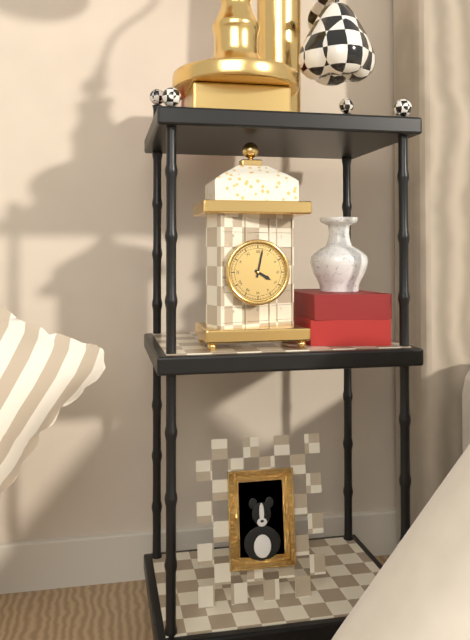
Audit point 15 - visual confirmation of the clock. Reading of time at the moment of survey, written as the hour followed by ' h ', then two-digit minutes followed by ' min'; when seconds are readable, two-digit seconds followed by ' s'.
4 h 02 min
